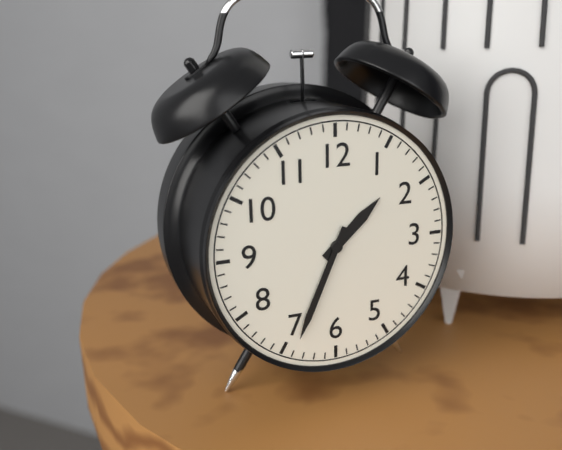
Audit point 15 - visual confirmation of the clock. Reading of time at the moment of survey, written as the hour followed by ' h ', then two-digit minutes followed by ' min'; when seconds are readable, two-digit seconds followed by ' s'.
1 h 34 min
